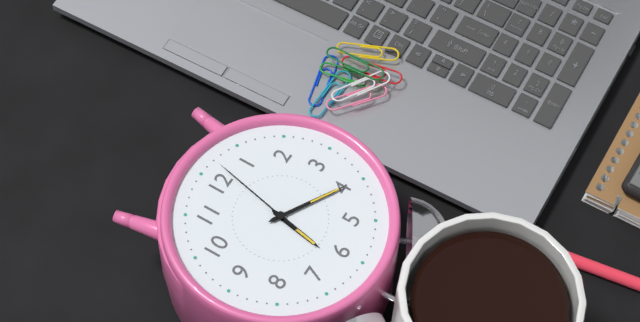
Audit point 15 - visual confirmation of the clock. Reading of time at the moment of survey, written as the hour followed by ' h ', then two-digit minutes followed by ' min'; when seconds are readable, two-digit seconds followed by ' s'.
6 h 20 min 02 s
